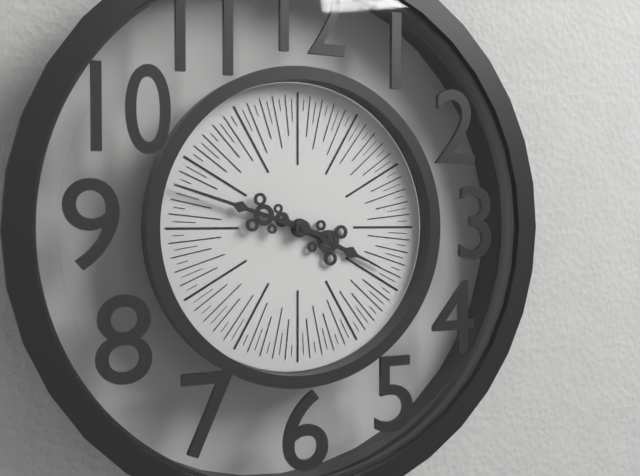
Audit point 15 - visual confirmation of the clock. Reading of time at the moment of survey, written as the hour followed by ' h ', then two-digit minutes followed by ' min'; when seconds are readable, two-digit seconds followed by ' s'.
3 h 48 min
